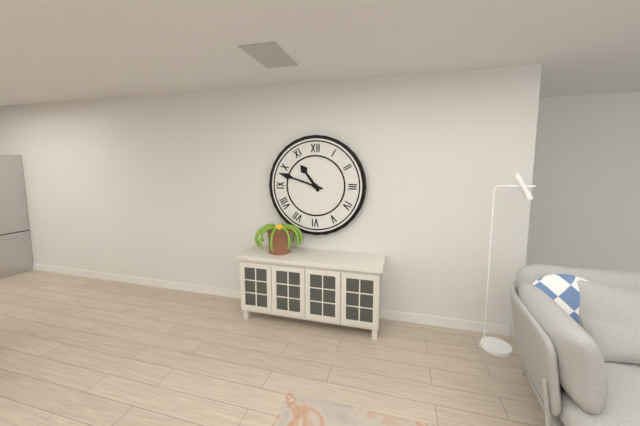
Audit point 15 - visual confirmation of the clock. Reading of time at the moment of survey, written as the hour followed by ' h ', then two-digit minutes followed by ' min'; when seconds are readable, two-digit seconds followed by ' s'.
10 h 48 min
